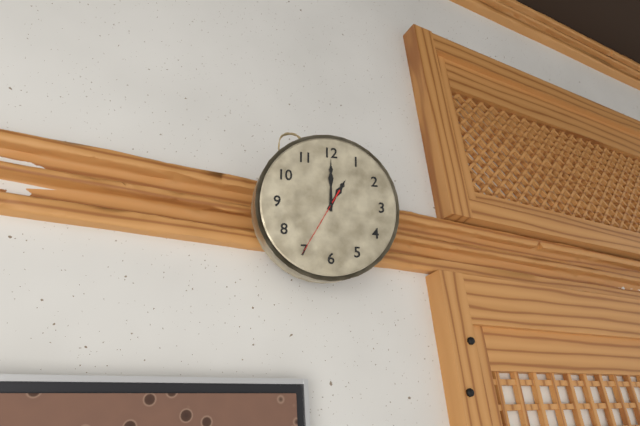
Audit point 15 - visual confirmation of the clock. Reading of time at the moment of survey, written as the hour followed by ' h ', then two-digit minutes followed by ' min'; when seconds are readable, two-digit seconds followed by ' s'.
1 h 00 min 35 s
